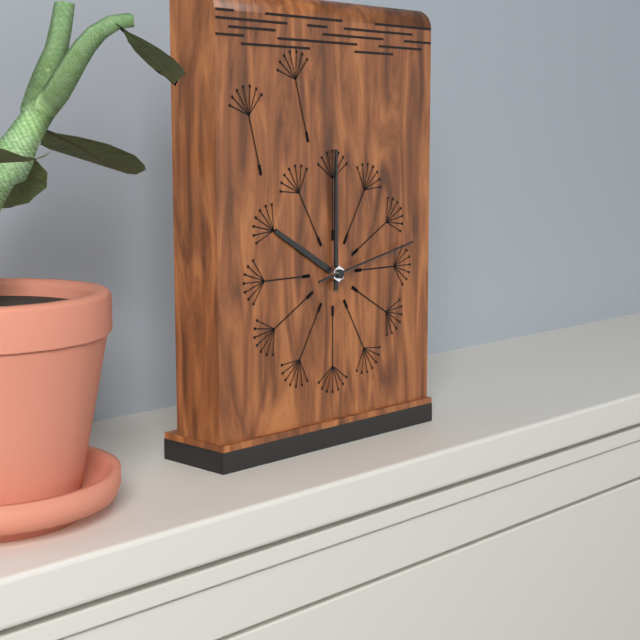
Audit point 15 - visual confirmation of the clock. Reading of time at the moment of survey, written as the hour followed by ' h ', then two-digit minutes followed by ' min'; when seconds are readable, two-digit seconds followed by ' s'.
10 h 00 min 13 s
